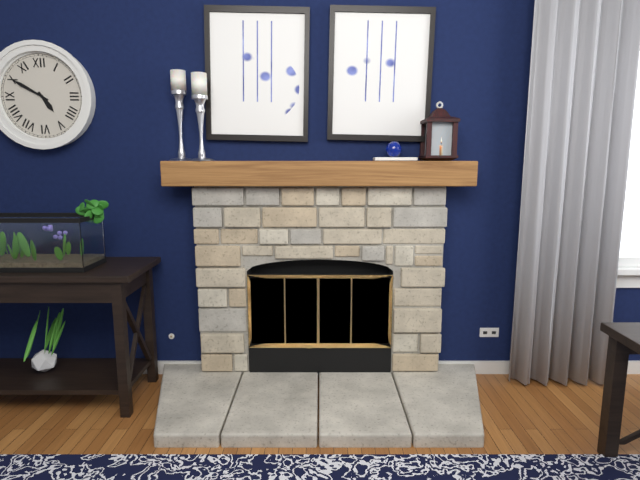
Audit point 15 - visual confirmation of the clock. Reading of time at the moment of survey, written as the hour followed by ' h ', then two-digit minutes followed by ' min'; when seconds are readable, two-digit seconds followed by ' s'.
4 h 50 min
